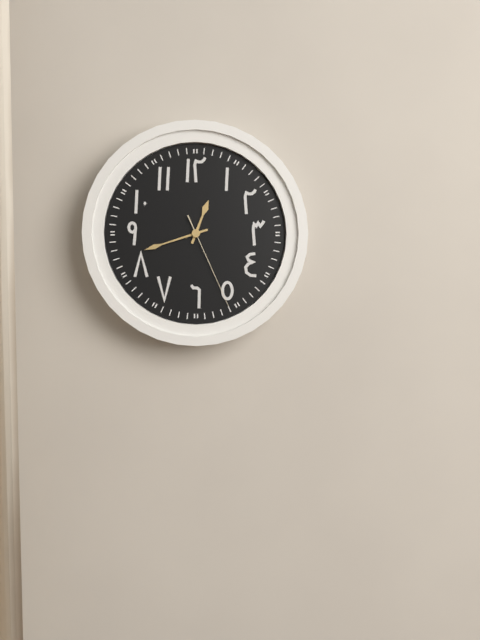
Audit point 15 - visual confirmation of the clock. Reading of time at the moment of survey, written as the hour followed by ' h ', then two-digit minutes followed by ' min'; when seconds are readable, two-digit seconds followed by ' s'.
12 h 42 min 26 s
